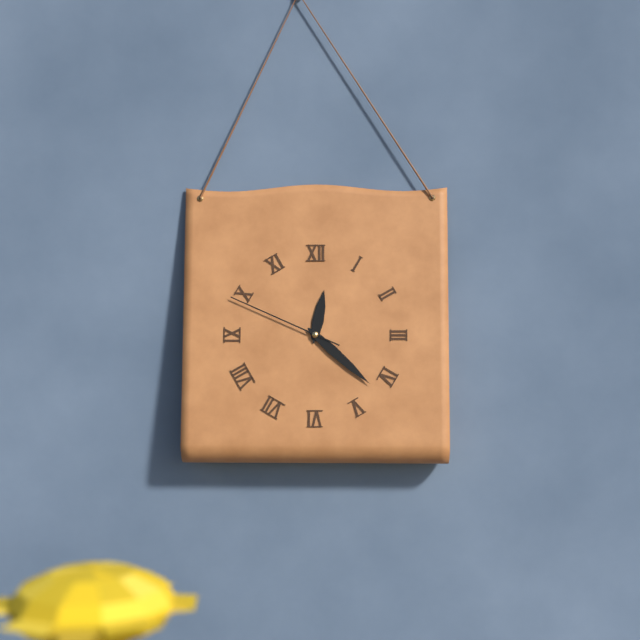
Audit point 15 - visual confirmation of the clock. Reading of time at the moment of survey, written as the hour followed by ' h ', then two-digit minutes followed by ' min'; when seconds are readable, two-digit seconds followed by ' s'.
12 h 22 min 49 s
